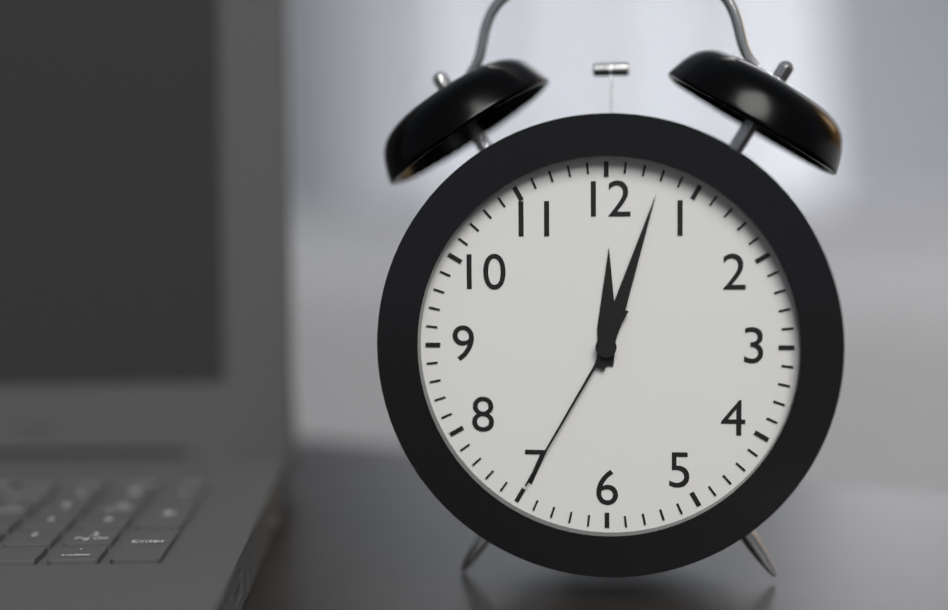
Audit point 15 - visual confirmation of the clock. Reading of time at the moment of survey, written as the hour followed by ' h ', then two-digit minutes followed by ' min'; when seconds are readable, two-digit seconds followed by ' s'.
12 h 03 min 35 s
